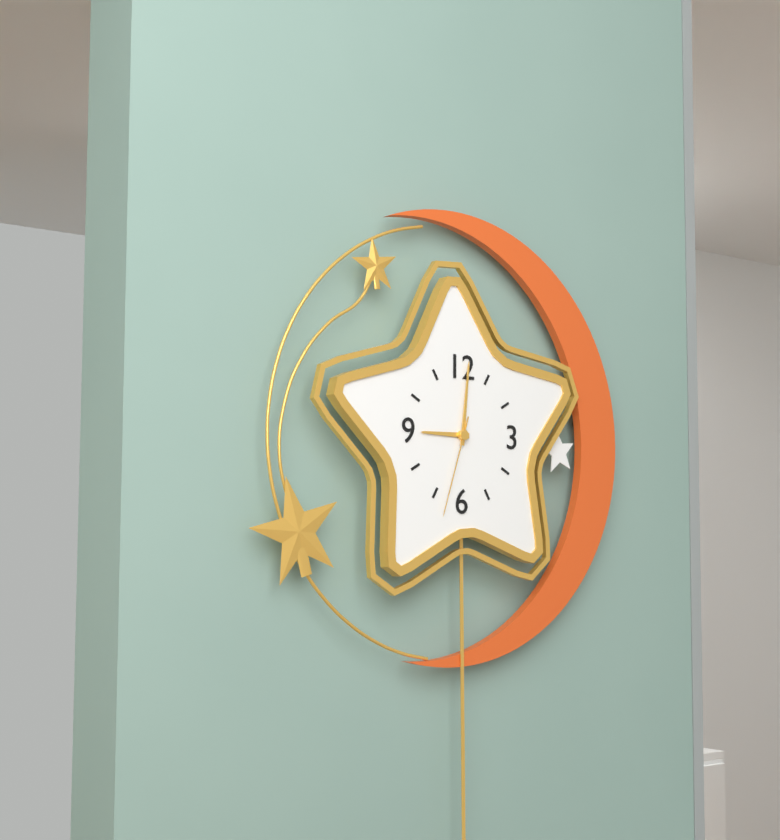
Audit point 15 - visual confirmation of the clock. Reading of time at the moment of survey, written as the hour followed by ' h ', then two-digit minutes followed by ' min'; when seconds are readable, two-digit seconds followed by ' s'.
9 h 01 min 33 s
